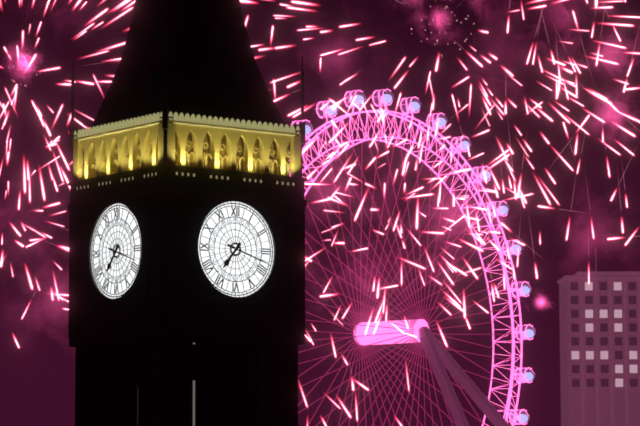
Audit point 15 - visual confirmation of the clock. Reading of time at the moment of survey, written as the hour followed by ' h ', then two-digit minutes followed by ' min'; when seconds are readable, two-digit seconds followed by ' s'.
7 h 18 min
